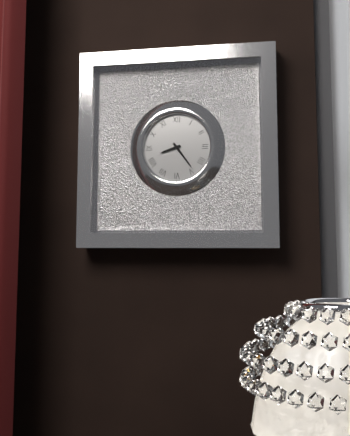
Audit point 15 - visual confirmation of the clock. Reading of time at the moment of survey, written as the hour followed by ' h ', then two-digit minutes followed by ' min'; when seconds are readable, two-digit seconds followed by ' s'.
8 h 24 min
